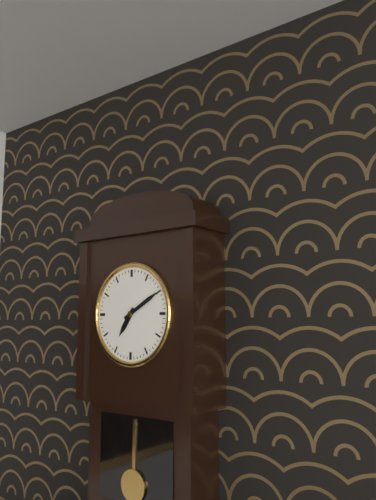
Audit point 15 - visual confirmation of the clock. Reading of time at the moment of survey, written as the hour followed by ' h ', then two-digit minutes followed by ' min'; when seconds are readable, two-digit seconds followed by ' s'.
7 h 10 min
